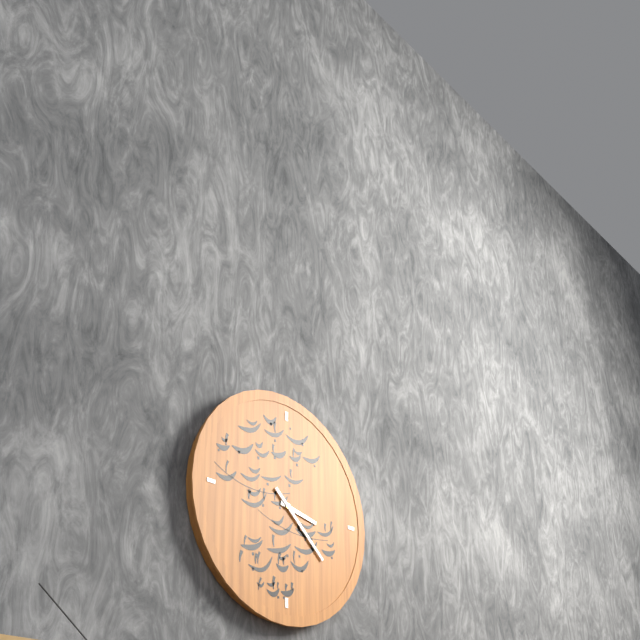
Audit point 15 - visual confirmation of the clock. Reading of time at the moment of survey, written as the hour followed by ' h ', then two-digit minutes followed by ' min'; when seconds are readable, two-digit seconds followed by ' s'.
3 h 22 min
